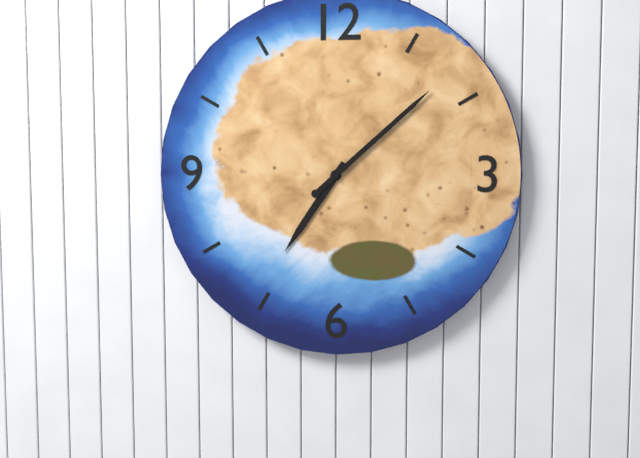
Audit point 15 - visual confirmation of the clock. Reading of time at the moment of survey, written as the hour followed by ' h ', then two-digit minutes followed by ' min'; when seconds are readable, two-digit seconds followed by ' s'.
7 h 08 min
